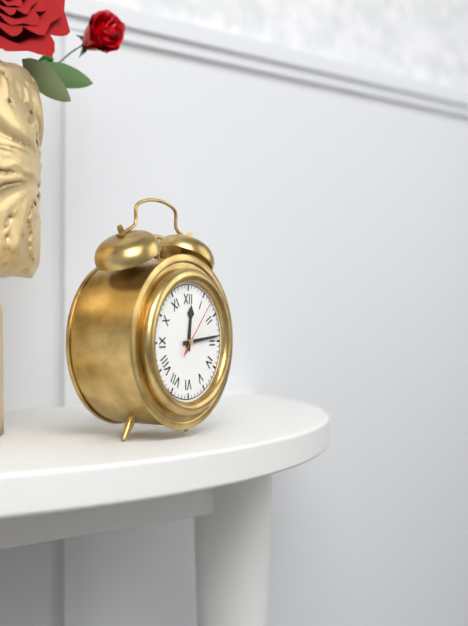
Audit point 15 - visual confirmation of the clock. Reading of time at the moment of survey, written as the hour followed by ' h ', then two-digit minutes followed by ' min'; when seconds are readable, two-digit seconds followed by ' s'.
12 h 14 min 07 s
